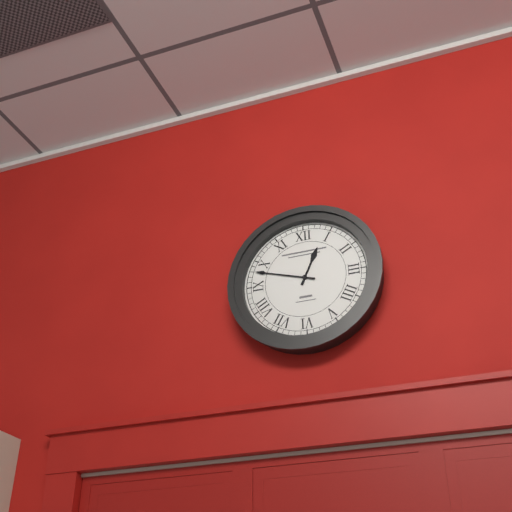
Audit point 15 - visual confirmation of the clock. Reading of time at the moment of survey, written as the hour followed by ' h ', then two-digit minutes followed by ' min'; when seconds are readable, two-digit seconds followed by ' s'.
12 h 48 min
